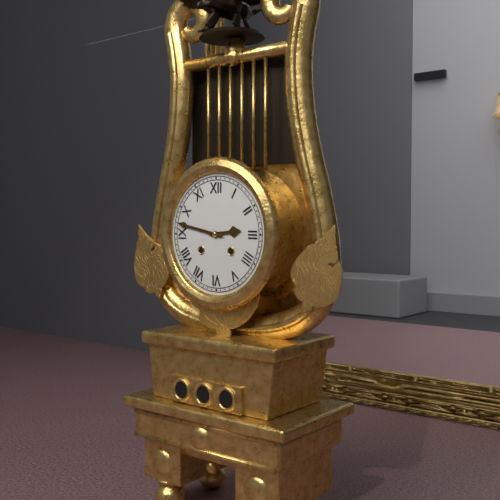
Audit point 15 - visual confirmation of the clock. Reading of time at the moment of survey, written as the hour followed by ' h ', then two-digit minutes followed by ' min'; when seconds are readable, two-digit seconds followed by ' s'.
2 h 47 min
